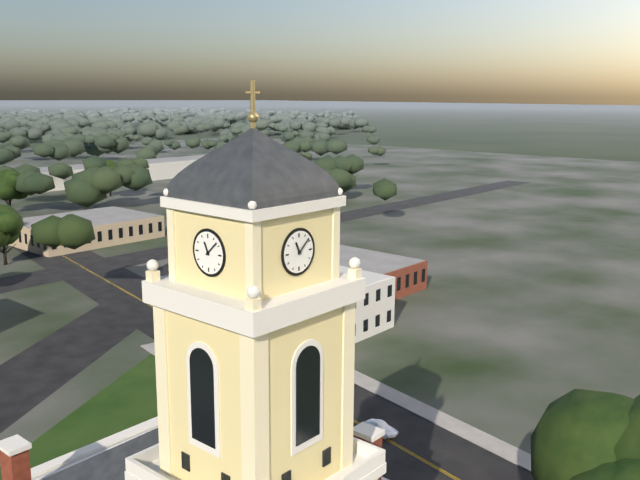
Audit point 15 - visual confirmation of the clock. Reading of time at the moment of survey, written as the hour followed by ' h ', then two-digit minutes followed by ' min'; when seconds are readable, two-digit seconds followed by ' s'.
11 h 08 min
